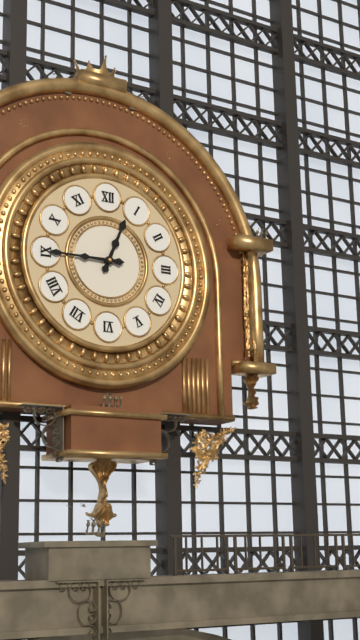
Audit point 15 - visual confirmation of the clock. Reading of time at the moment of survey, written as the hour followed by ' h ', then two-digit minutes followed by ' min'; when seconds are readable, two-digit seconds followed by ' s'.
12 h 45 min
